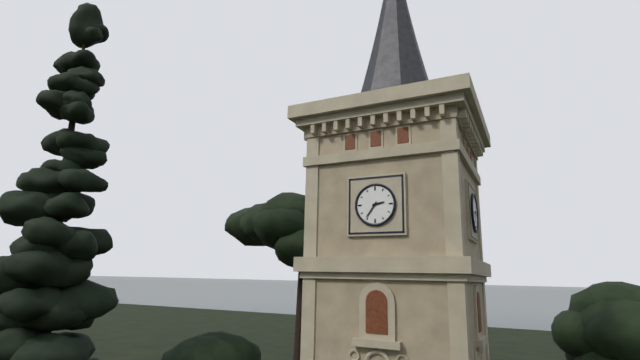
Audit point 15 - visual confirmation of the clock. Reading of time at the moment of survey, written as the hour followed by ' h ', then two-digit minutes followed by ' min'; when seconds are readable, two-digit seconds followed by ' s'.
2 h 36 min
